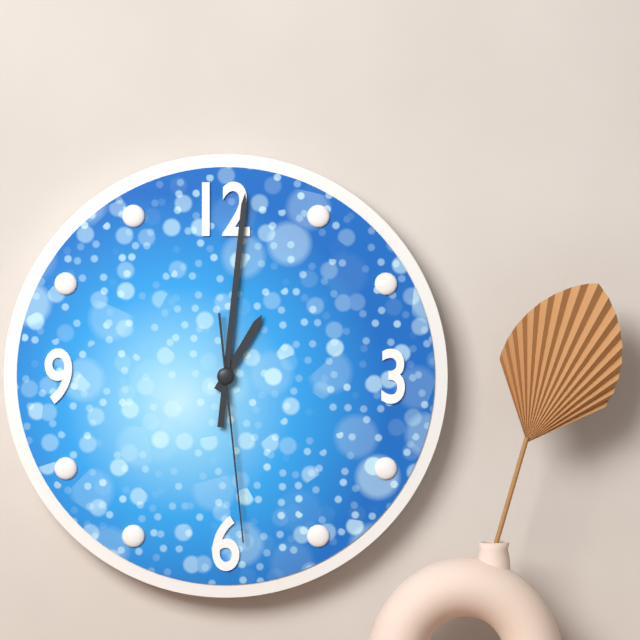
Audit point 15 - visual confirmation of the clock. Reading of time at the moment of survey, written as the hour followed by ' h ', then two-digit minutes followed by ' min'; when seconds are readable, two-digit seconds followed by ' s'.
1 h 01 min 29 s
